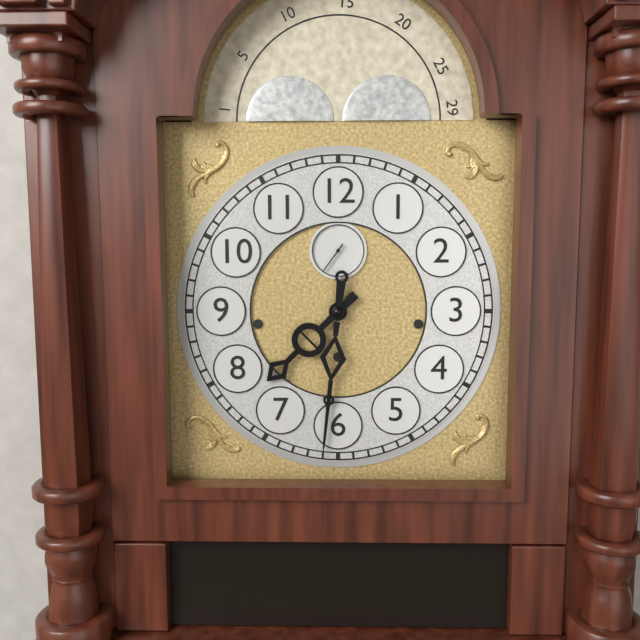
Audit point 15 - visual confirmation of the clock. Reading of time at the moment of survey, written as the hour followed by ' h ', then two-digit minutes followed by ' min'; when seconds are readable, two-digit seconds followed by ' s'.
7 h 31 min
